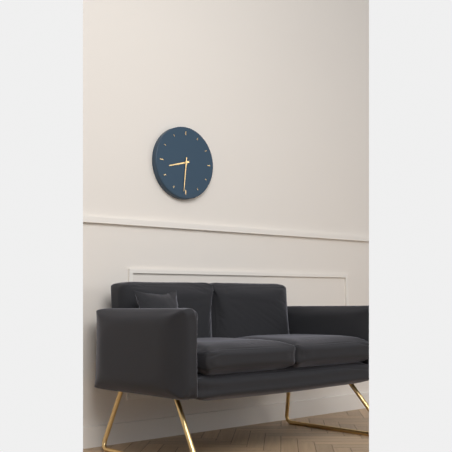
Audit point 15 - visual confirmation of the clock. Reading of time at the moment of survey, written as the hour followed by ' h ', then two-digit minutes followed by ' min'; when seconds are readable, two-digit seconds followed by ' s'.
8 h 31 min
